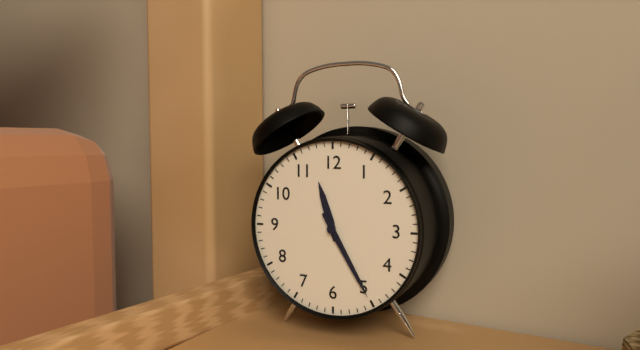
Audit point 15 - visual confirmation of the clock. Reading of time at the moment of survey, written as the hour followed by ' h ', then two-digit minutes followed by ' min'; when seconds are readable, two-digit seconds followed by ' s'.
11 h 25 min
